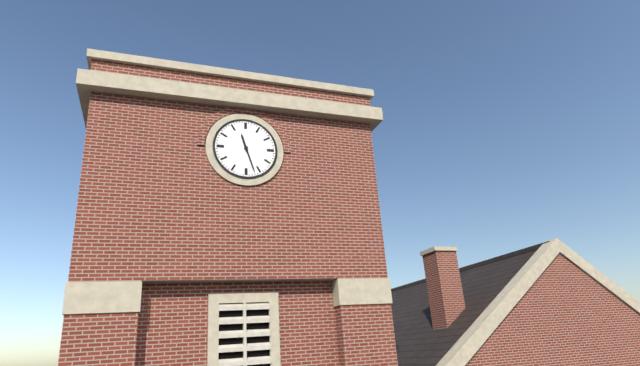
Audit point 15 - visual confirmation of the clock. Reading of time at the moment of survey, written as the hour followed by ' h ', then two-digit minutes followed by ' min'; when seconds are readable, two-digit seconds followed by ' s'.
11 h 27 min
